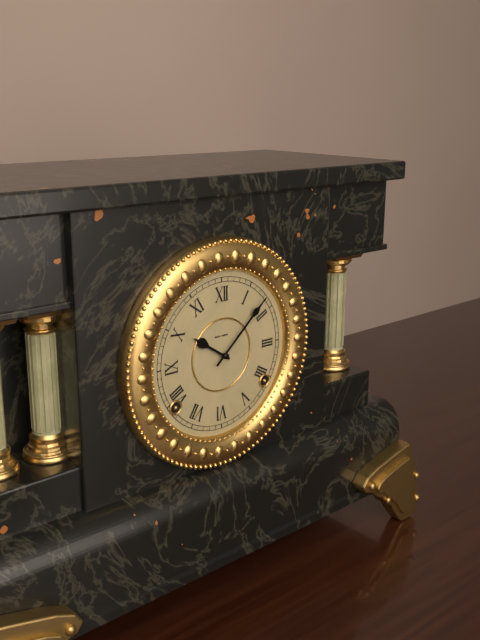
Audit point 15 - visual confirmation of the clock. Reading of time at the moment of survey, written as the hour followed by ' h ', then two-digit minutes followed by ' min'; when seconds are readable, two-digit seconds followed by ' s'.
10 h 08 min
